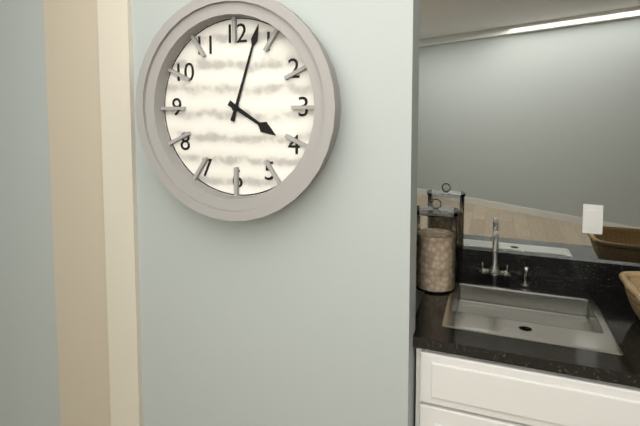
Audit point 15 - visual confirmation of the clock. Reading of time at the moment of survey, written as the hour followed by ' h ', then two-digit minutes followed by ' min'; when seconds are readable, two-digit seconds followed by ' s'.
4 h 03 min
